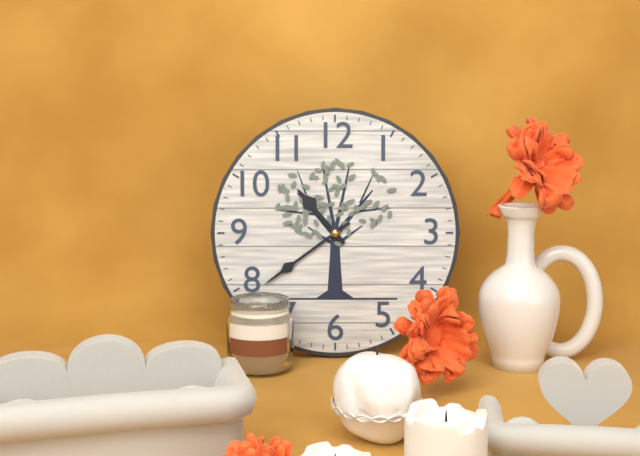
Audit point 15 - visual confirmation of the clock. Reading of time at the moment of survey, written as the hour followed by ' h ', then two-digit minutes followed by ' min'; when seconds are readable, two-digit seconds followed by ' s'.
10 h 39 min
